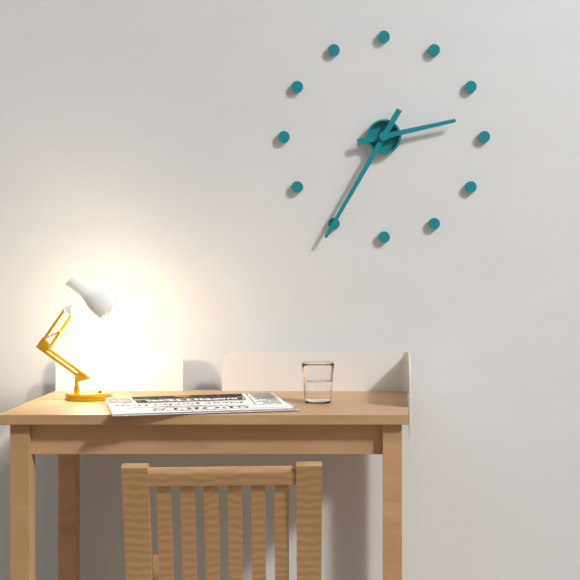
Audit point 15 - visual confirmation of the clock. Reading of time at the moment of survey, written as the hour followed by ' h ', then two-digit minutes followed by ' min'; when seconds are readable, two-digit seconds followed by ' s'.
2 h 35 min
